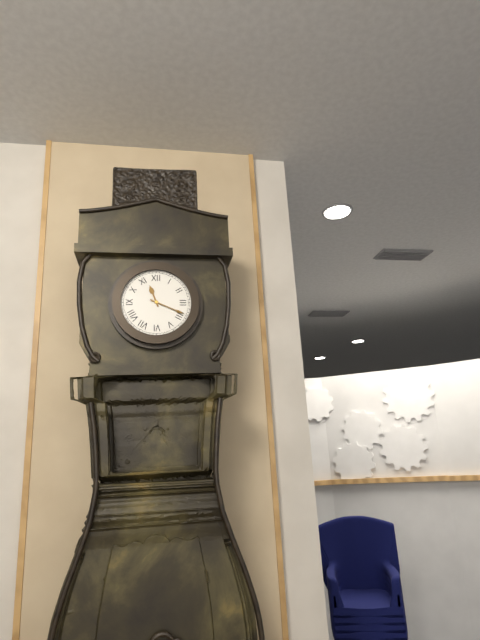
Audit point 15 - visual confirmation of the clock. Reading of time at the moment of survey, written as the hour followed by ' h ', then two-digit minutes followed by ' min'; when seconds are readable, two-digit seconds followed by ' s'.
11 h 19 min
